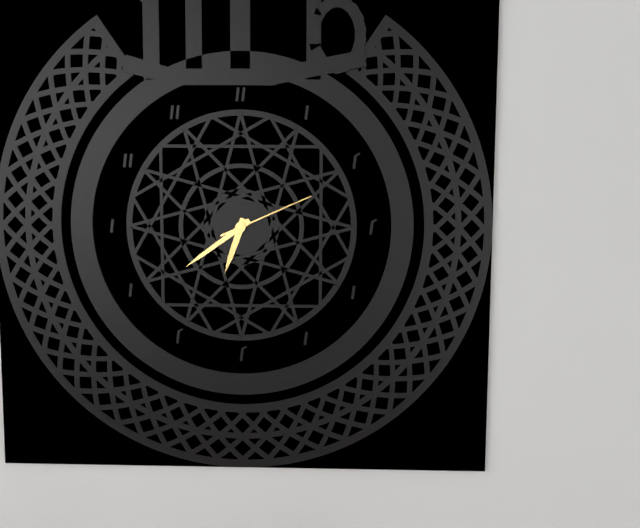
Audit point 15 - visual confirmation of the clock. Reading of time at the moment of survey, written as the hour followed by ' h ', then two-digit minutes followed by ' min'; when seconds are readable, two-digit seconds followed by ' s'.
6 h 39 min 11 s
